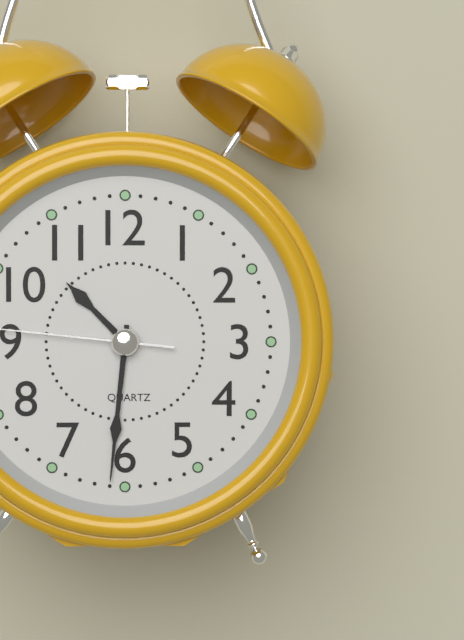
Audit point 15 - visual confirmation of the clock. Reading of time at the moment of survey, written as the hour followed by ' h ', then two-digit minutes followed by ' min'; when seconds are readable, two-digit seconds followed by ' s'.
10 h 31 min
